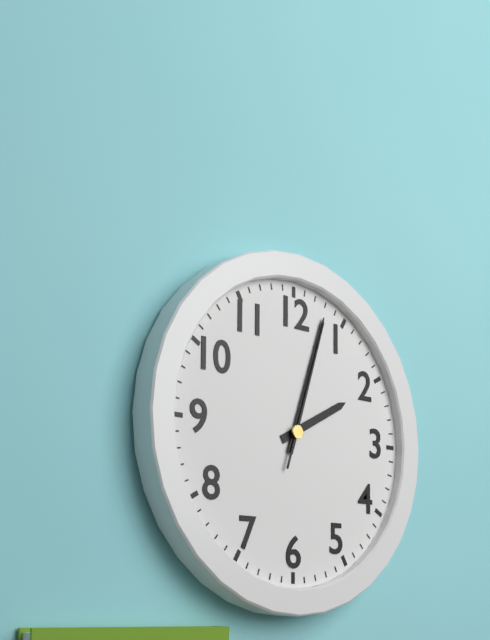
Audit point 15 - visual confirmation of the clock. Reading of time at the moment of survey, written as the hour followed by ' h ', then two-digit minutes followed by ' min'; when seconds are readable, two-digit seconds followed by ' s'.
2 h 03 min 03 s
